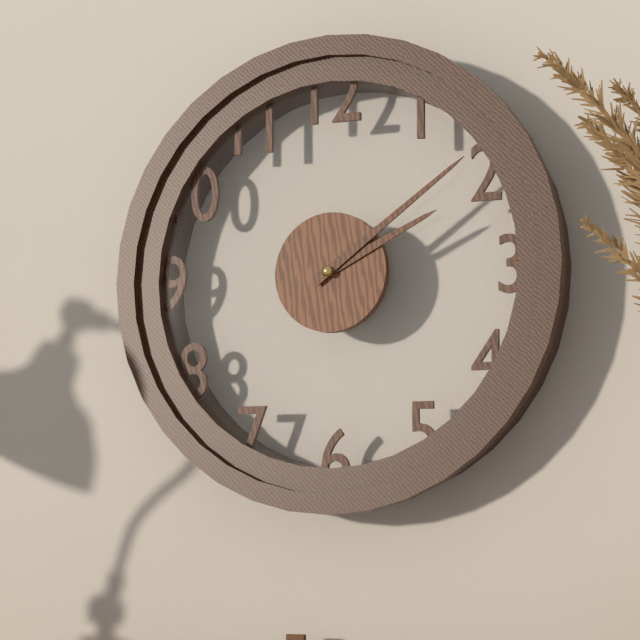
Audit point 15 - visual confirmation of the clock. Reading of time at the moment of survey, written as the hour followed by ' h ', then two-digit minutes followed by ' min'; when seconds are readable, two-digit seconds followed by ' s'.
2 h 09 min
